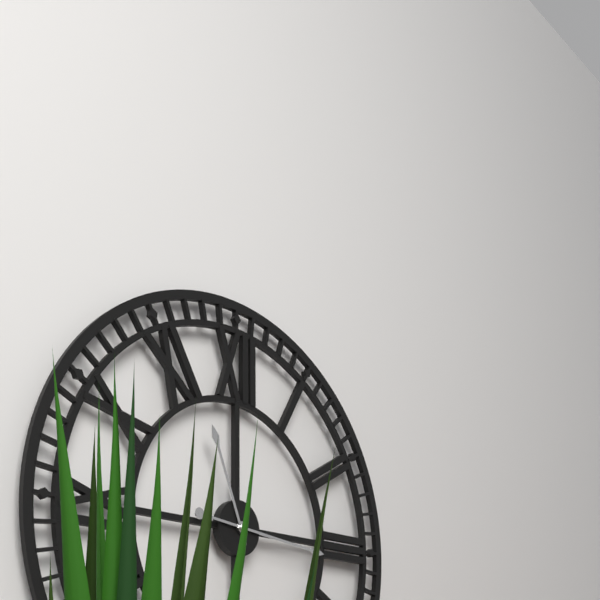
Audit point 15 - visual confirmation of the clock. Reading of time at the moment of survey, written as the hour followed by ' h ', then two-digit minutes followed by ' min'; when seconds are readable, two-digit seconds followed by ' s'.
11 h 16 min
